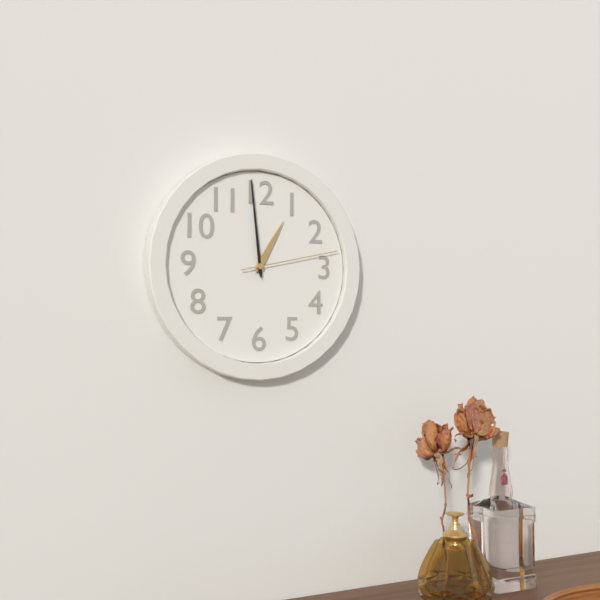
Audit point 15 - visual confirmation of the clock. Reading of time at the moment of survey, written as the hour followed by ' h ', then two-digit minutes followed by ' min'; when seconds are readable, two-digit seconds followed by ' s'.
12 h 59 min 13 s
